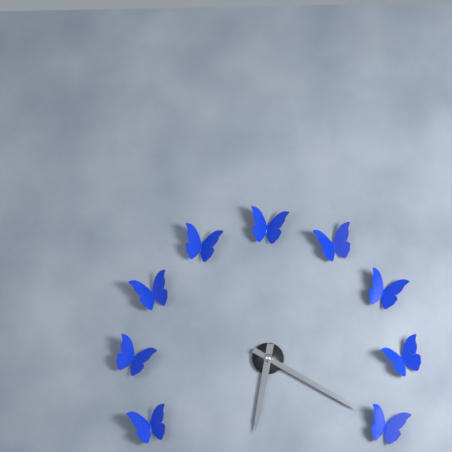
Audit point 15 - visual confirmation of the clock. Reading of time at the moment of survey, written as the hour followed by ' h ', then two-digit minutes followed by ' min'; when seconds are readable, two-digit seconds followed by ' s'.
6 h 20 min
